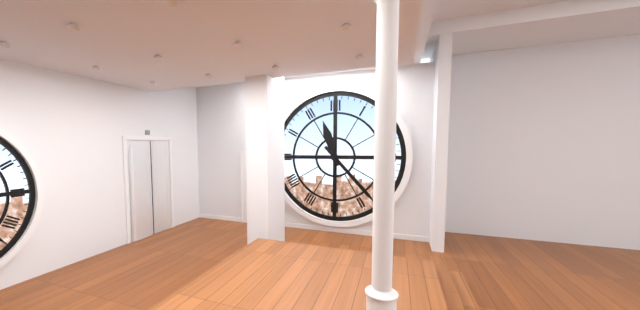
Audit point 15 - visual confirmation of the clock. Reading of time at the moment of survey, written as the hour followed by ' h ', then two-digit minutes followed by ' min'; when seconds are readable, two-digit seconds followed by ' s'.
11 h 23 min
